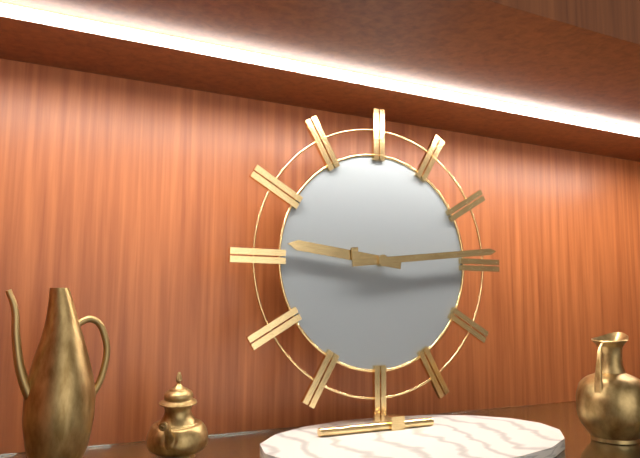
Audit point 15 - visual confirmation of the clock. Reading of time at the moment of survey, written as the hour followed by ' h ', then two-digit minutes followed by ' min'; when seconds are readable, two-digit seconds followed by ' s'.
9 h 14 min
